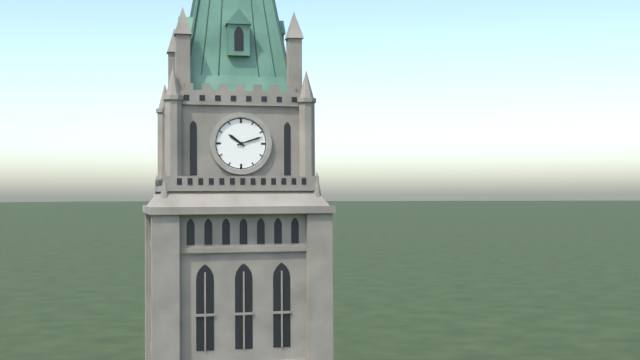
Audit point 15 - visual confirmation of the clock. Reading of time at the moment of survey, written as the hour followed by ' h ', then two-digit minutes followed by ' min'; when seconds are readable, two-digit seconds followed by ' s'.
10 h 12 min
